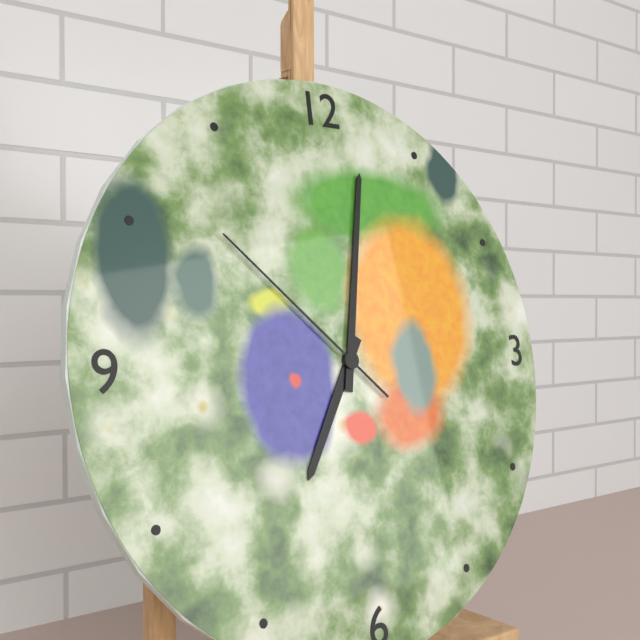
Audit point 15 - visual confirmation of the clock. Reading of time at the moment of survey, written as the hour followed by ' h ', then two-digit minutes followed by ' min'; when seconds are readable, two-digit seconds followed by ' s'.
7 h 02 min 52 s
